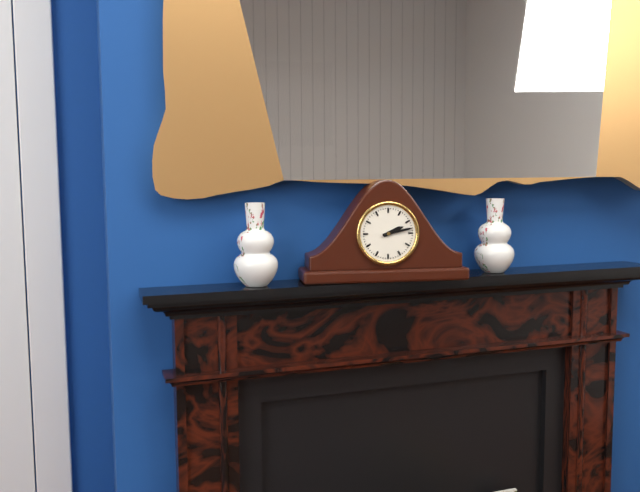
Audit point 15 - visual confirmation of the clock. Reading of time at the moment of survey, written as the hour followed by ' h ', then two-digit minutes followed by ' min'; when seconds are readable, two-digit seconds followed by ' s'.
2 h 13 min
